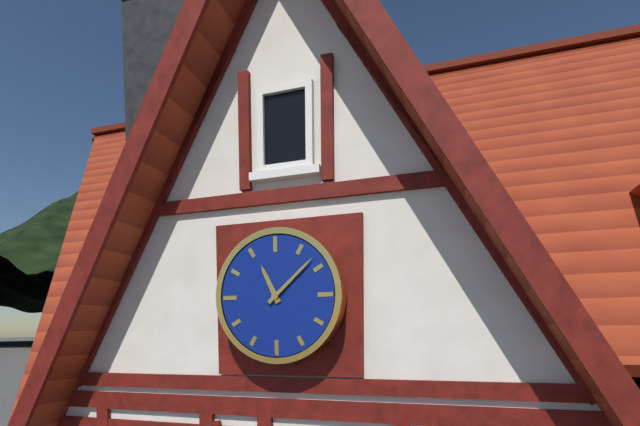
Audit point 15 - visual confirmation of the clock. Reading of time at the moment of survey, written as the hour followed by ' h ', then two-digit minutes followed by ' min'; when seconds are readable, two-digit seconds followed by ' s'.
11 h 08 min
